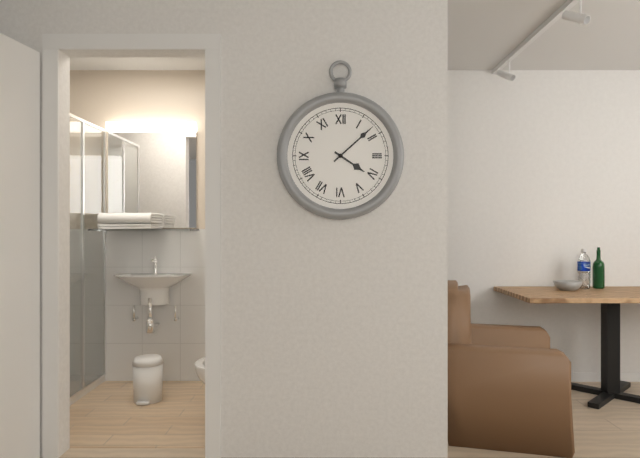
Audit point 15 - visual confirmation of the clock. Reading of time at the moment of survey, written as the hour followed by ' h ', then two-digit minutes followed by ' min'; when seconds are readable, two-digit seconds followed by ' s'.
4 h 08 min
